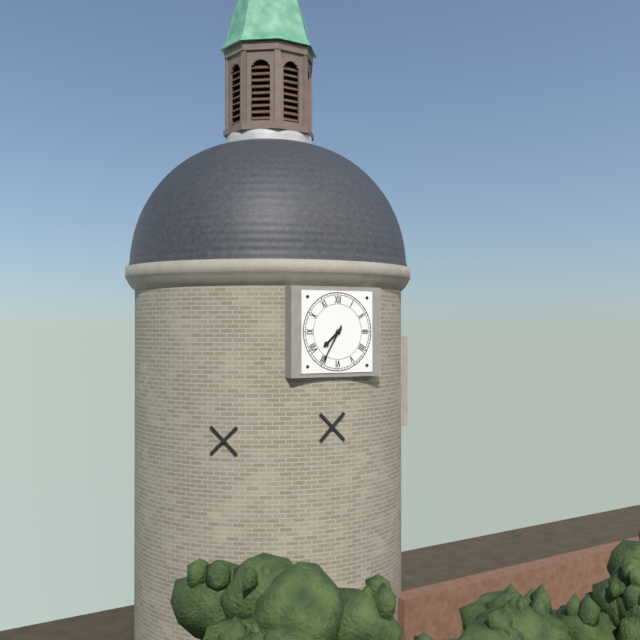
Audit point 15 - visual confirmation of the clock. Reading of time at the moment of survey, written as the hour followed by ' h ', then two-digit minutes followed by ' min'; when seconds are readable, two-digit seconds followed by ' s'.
7 h 35 min
